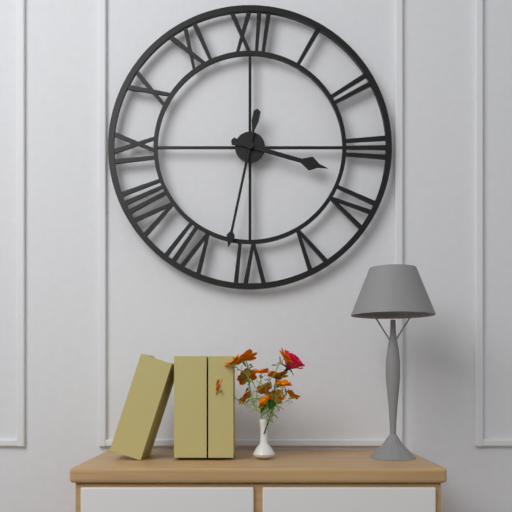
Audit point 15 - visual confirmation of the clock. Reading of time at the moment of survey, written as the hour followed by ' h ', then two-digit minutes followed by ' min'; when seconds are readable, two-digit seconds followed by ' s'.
3 h 32 min
